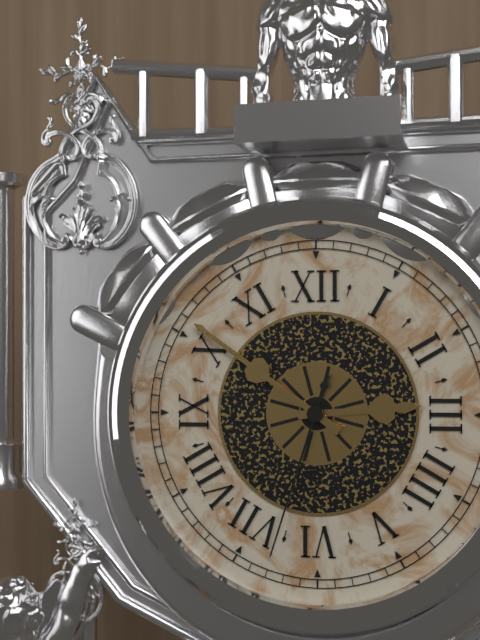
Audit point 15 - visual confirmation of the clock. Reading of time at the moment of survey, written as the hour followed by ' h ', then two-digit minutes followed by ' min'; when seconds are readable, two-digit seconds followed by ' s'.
2 h 51 min 33 s
